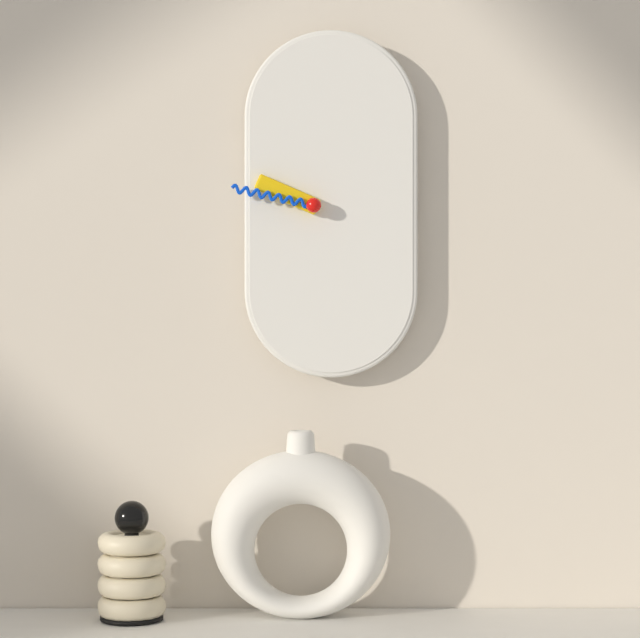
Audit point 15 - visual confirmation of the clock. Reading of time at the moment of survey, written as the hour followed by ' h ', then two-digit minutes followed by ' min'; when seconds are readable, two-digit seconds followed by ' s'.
9 h 47 min
